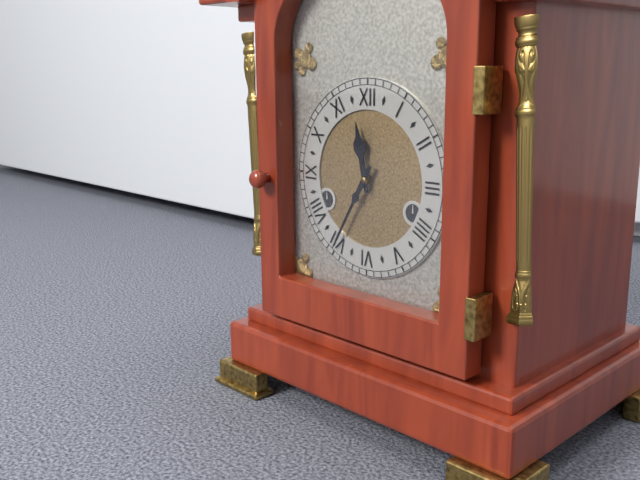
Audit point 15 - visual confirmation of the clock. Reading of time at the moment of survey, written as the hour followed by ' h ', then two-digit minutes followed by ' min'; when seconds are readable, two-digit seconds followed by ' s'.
11 h 35 min
